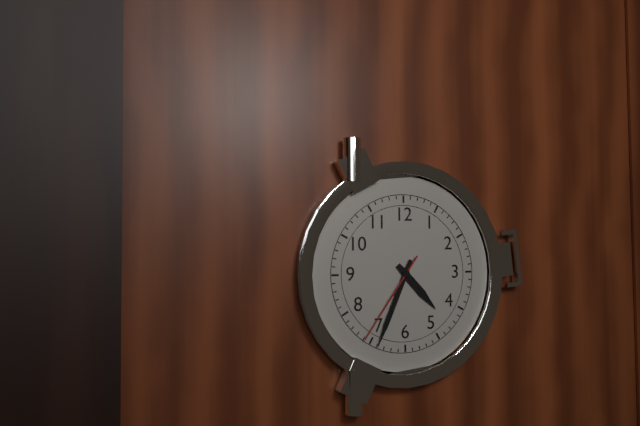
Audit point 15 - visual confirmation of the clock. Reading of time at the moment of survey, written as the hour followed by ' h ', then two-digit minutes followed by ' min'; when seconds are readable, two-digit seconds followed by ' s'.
4 h 34 min 36 s
